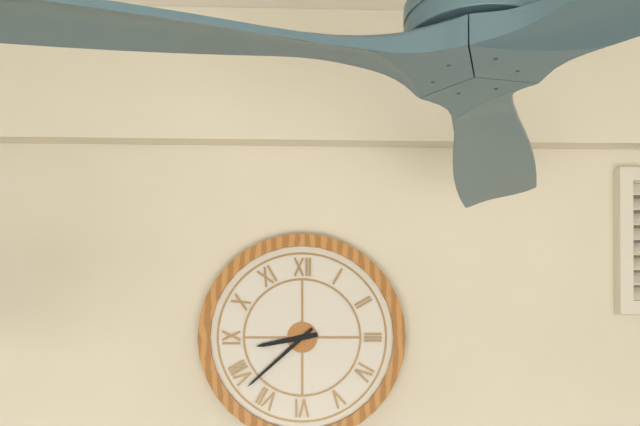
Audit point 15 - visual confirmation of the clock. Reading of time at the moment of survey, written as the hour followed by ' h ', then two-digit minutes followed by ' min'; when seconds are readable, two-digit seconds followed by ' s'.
8 h 38 min
